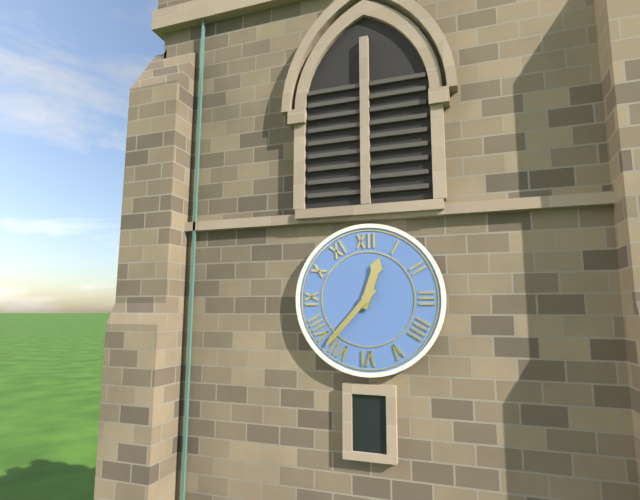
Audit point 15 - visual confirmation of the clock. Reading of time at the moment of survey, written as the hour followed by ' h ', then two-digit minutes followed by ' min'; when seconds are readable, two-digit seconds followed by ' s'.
12 h 37 min
